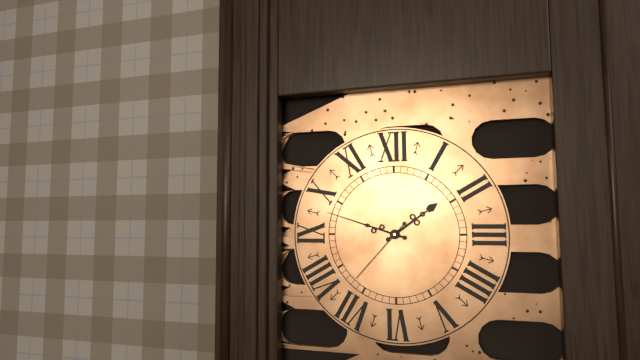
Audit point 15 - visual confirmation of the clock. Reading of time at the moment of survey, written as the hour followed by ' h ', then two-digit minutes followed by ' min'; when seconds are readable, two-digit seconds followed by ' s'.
1 h 48 min 37 s
